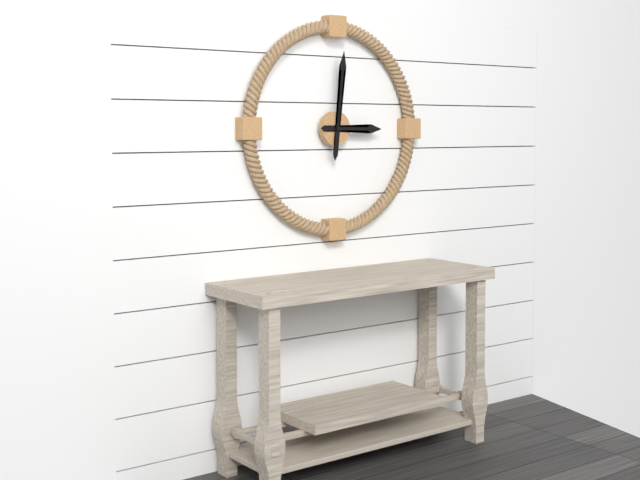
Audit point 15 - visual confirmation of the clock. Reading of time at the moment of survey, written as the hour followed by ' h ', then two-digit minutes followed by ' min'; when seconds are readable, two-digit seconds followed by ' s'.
3 h 01 min
